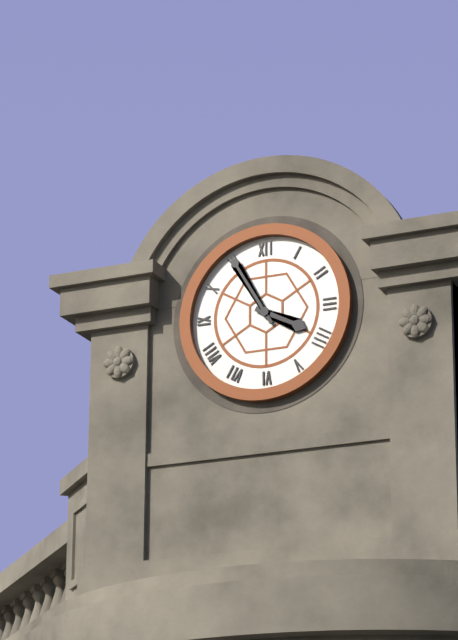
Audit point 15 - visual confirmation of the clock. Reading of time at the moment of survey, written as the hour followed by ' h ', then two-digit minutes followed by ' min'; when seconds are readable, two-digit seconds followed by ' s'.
3 h 55 min
